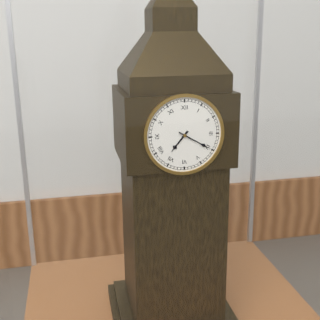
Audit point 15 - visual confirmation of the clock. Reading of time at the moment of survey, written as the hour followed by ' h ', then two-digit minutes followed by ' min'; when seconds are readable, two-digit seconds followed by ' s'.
7 h 20 min
